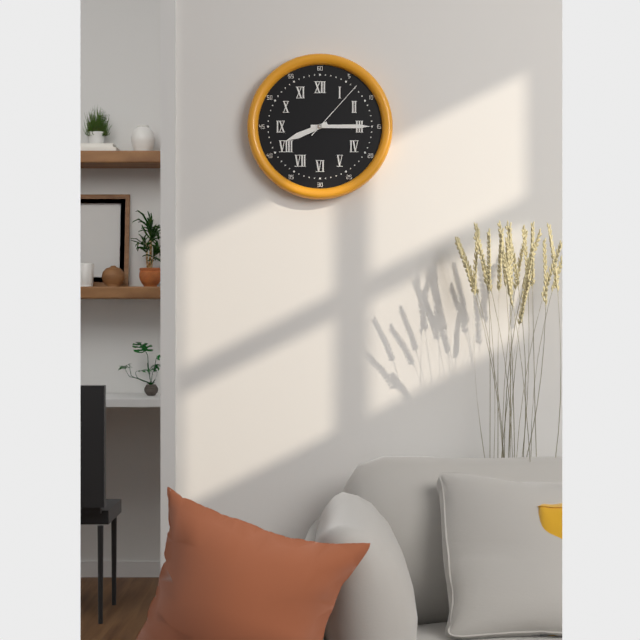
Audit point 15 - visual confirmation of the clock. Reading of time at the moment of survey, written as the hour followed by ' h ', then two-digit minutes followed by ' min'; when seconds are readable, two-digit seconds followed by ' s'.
8 h 15 min 07 s
